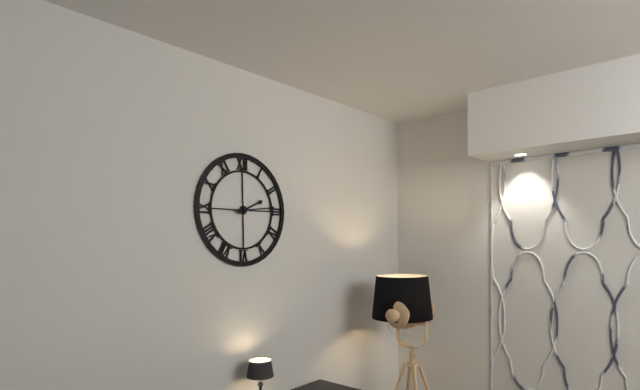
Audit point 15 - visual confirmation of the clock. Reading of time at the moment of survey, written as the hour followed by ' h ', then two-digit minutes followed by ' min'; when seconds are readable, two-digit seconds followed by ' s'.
2 h 14 min
